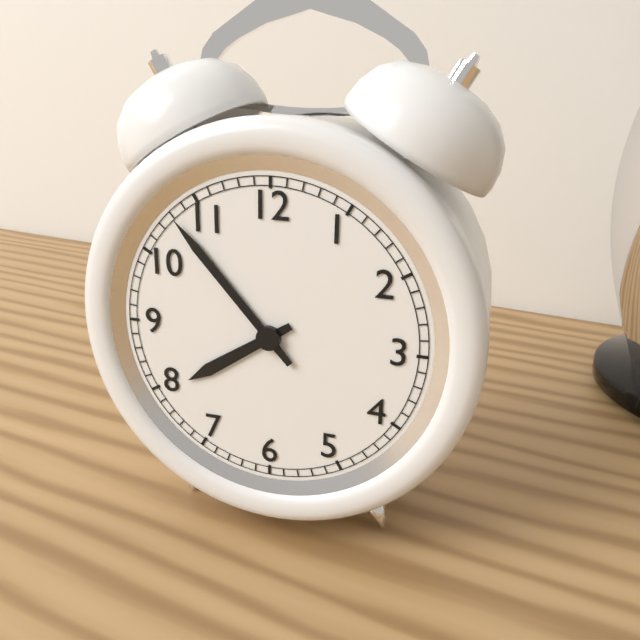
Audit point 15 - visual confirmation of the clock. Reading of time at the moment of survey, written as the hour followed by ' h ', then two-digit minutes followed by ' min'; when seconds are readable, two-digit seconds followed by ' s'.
7 h 53 min
